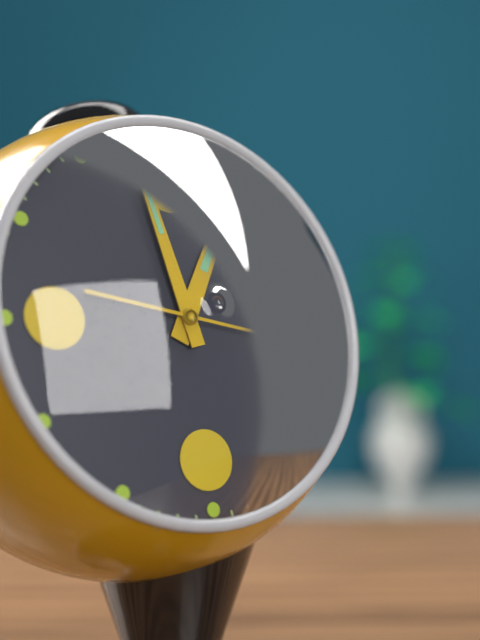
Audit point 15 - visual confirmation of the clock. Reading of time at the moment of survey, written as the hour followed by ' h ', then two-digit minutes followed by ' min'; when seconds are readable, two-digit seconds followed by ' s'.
12 h 58 min 17 s
